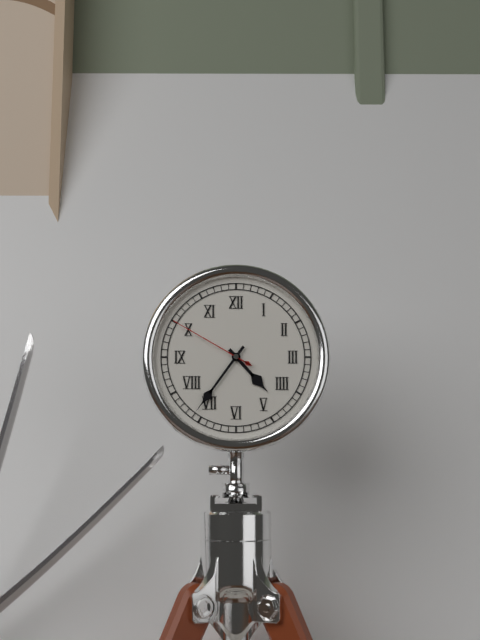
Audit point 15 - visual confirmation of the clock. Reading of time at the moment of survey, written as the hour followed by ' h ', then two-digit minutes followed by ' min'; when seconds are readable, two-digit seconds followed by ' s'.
4 h 36 min 50 s
